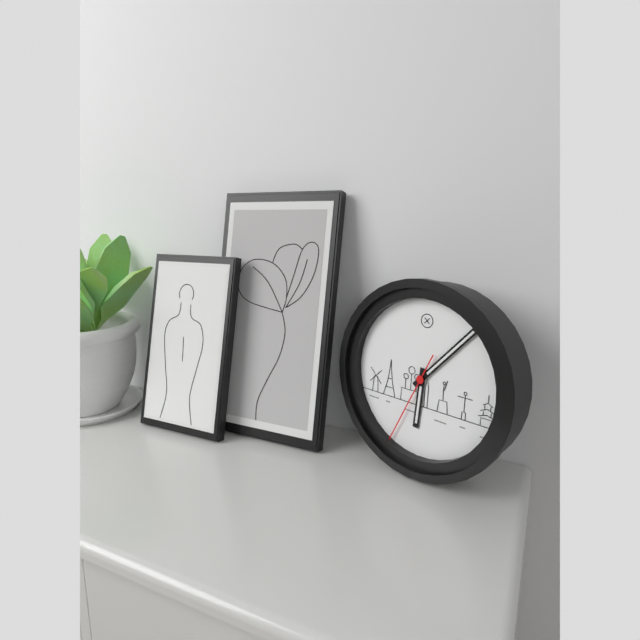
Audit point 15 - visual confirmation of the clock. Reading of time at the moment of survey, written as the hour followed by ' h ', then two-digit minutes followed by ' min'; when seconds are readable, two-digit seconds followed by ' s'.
6 h 07 min 34 s
